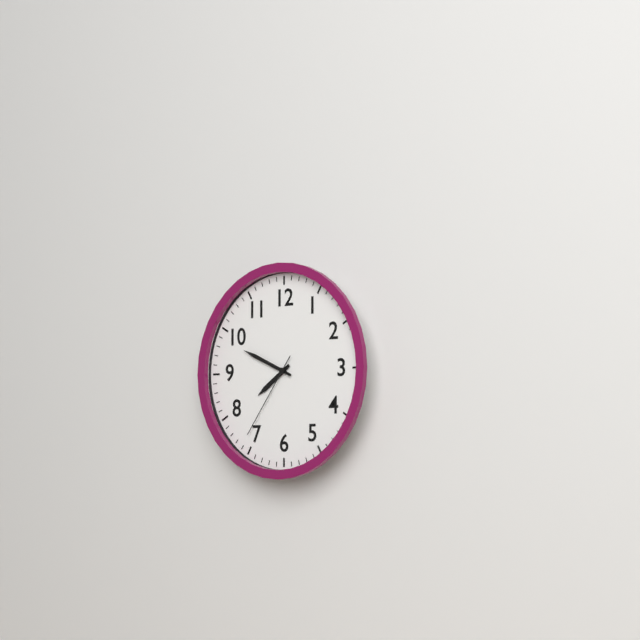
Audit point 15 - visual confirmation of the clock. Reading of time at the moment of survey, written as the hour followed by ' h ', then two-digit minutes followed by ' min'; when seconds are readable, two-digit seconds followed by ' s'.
7 h 49 min 36 s
